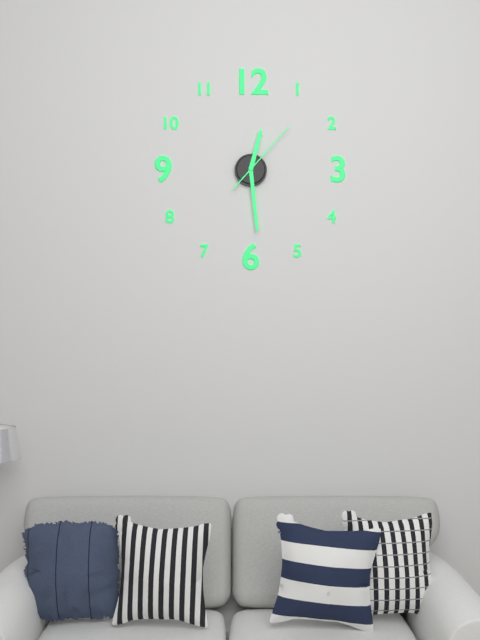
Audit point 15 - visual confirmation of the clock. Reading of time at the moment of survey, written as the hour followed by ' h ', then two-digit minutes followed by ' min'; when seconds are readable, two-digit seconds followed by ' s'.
12 h 29 min 07 s
